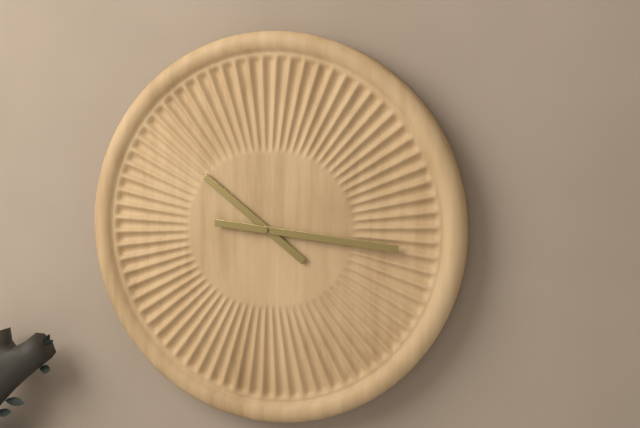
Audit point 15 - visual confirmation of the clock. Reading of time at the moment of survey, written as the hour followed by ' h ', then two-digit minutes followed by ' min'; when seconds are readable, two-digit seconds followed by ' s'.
10 h 16 min
